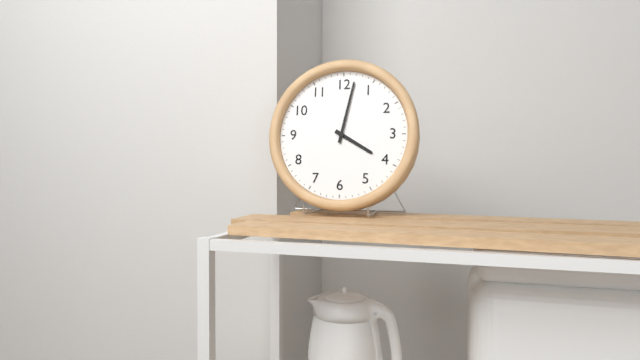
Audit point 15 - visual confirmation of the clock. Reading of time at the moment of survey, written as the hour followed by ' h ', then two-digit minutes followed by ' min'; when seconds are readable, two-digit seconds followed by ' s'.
4 h 02 min
